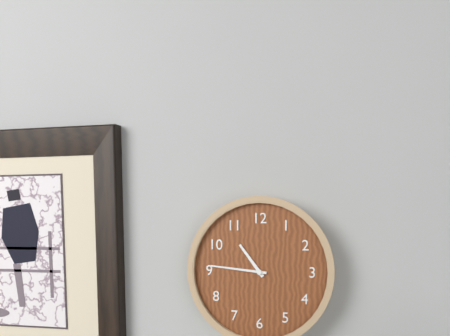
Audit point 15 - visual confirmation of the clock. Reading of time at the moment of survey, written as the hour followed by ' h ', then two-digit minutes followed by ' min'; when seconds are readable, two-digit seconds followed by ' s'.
10 h 46 min
